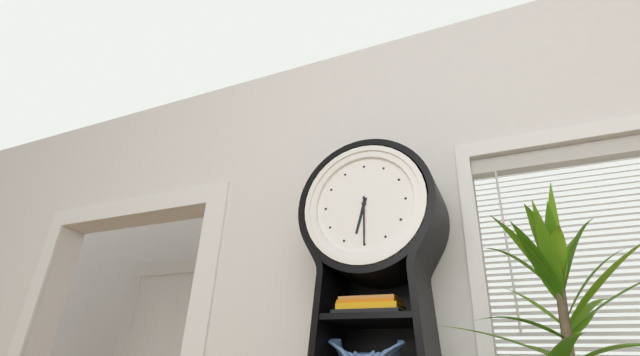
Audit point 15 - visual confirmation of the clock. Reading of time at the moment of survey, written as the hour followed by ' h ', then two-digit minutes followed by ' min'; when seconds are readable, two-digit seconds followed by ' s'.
6 h 30 min
